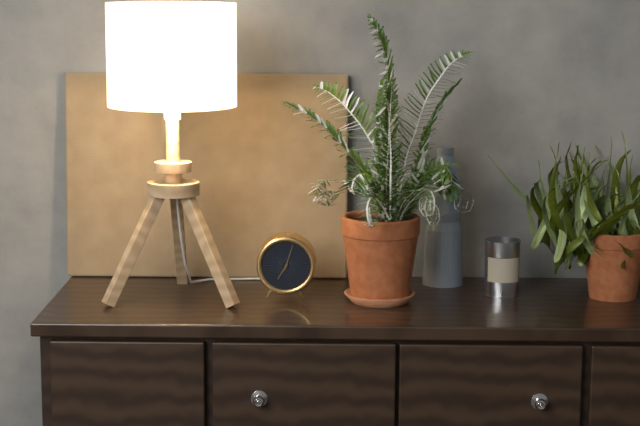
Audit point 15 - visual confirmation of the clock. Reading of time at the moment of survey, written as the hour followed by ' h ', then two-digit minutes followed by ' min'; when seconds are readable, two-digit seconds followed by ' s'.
7 h 03 min
